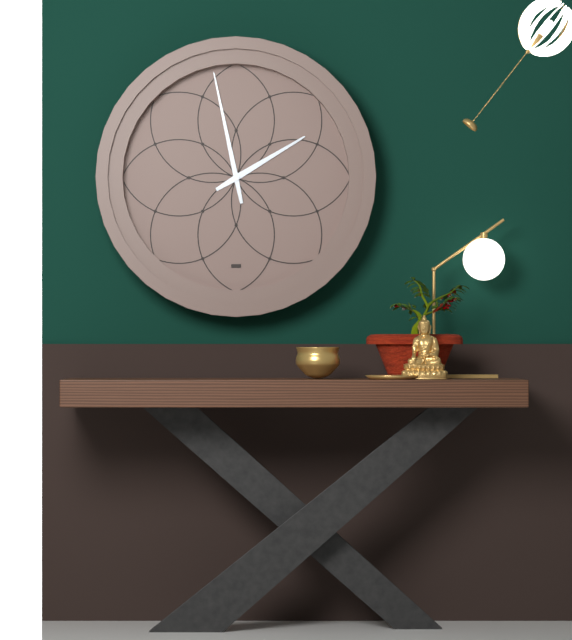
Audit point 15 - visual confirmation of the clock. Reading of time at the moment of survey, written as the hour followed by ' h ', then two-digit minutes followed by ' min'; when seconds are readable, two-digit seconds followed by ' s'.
1 h 58 min
